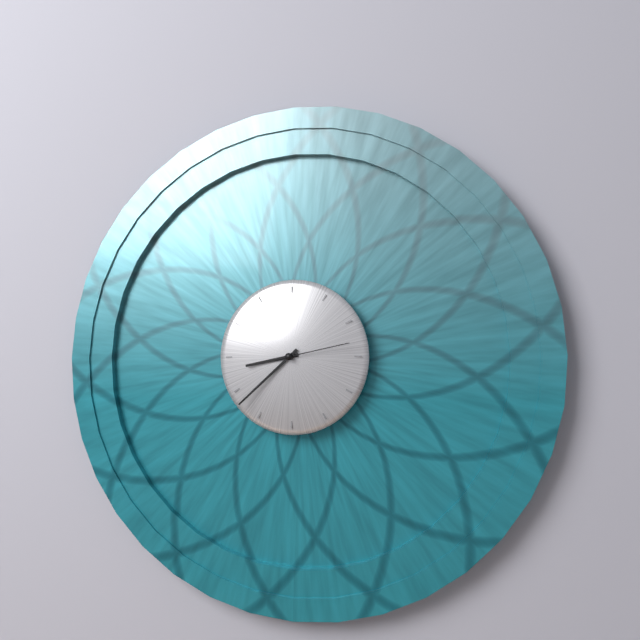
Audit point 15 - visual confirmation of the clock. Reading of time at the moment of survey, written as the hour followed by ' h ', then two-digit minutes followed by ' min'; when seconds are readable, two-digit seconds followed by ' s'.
8 h 38 min 13 s
